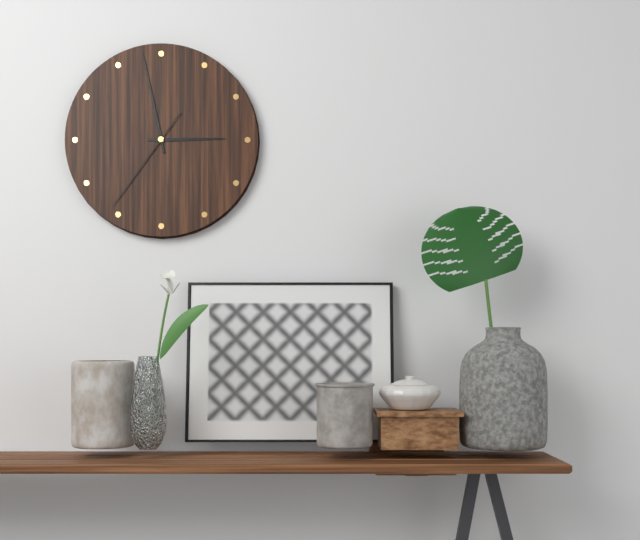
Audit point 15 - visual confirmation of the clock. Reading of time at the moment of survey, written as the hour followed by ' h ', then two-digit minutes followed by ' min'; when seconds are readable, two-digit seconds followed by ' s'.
2 h 58 min 36 s
